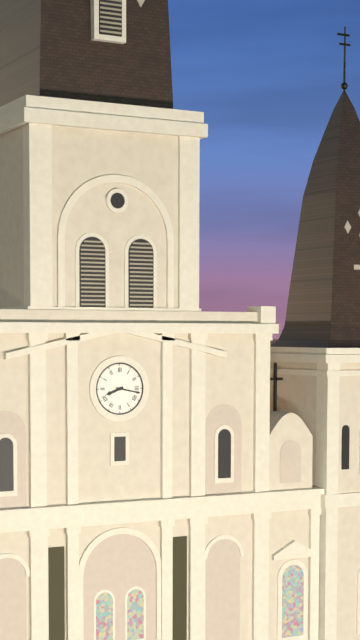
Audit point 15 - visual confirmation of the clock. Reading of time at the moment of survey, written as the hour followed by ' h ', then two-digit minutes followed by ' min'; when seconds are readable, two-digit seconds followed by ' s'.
8 h 17 min
